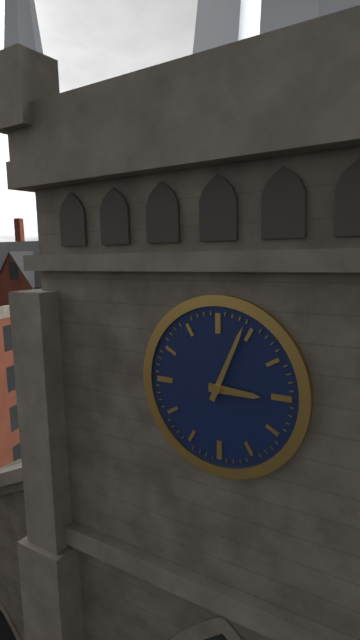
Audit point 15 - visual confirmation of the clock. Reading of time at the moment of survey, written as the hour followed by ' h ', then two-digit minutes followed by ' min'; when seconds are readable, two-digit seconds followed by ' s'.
3 h 04 min
